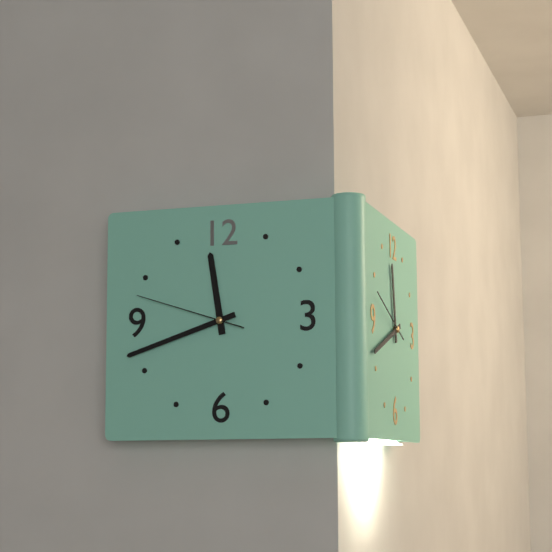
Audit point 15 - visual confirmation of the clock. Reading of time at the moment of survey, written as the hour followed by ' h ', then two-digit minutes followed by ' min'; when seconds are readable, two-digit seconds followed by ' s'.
11 h 42 min 48 s
